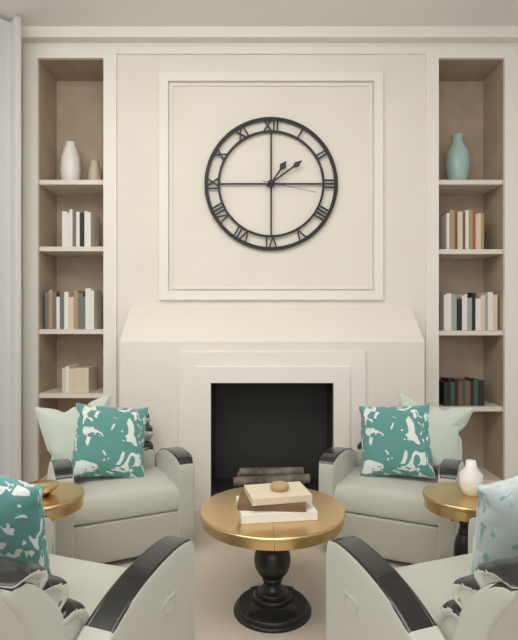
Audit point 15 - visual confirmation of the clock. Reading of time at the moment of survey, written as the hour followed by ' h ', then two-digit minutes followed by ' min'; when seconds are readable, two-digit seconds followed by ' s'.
1 h 09 min 17 s
